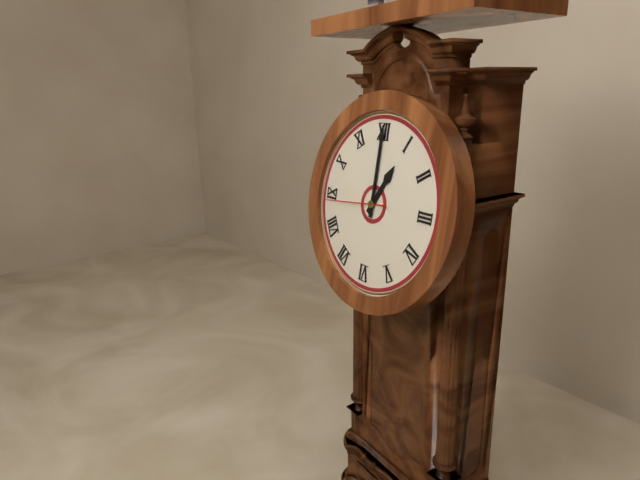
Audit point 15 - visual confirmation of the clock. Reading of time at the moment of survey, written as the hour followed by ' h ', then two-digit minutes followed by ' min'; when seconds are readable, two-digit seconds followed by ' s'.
1 h 00 min 44 s
